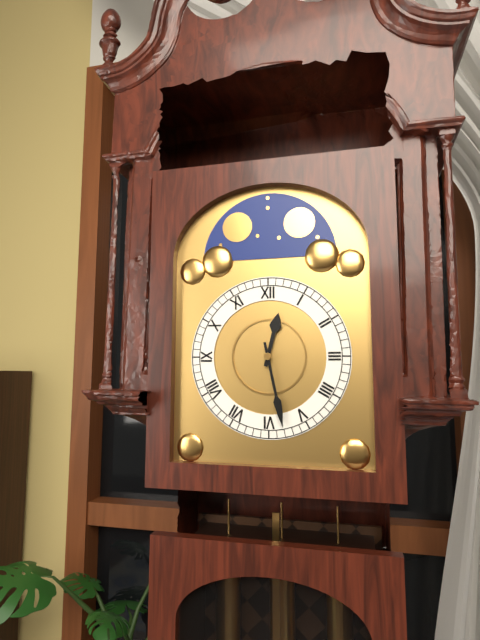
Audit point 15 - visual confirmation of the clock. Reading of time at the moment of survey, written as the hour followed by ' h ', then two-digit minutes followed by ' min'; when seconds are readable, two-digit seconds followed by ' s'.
12 h 28 min
